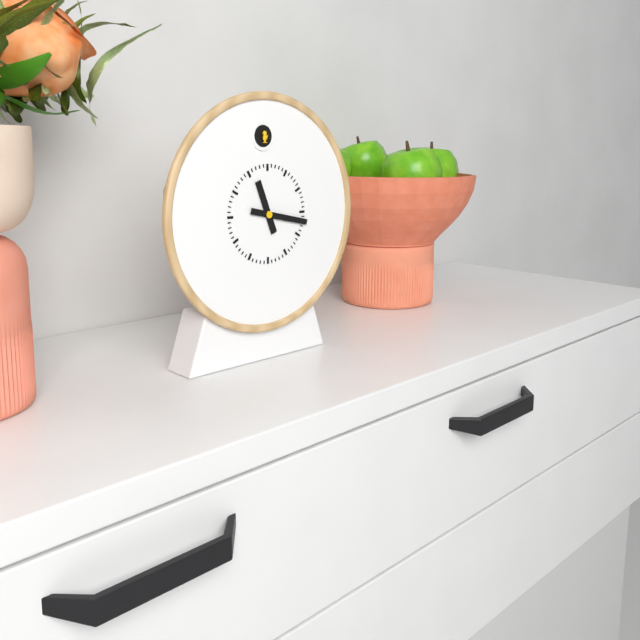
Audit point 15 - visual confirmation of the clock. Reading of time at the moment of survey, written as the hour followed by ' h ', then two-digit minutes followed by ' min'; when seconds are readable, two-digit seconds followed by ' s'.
11 h 17 min
